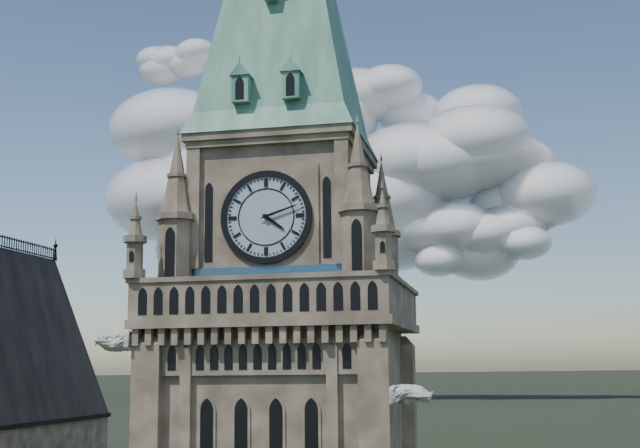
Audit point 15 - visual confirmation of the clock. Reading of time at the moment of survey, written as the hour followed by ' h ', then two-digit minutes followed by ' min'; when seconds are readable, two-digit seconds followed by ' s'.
4 h 12 min
